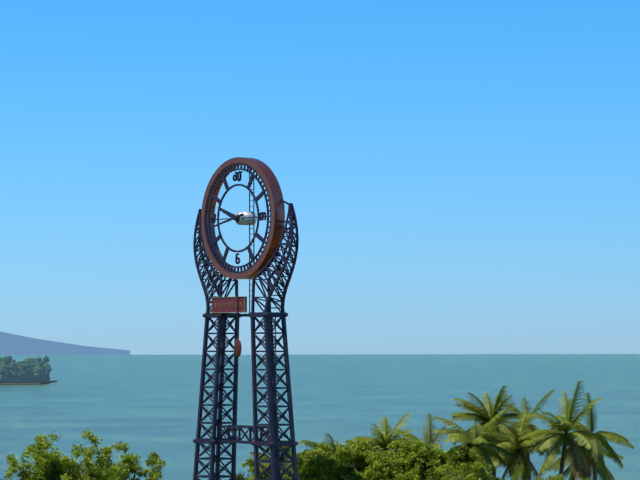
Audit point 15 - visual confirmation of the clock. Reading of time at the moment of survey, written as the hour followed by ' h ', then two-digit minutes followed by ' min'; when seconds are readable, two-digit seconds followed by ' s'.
9 h 43 min
